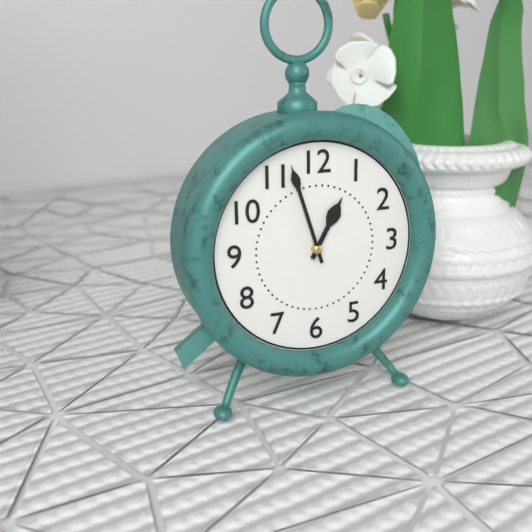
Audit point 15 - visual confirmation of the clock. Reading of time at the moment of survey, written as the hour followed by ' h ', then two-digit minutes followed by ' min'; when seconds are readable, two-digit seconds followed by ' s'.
12 h 57 min
